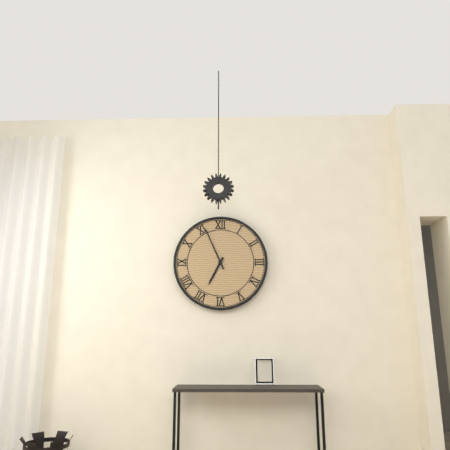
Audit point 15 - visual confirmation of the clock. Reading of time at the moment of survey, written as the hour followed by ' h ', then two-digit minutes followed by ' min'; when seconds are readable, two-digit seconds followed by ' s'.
6 h 56 min
